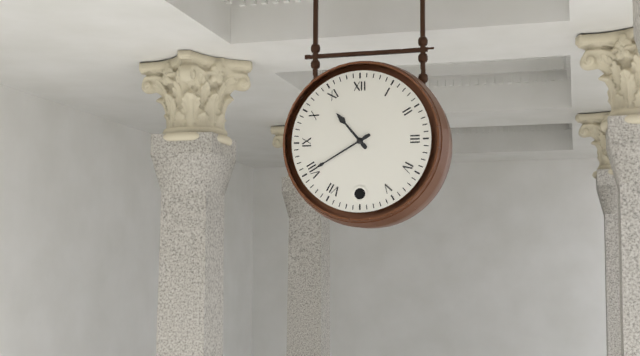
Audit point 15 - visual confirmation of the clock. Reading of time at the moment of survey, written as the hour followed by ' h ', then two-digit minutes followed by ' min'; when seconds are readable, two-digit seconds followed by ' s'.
10 h 40 min
